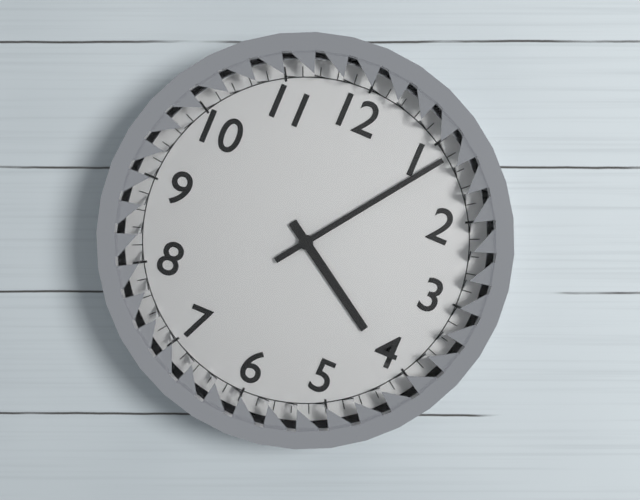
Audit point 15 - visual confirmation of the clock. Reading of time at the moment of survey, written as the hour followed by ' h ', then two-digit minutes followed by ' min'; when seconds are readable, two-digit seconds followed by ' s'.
4 h 06 min
